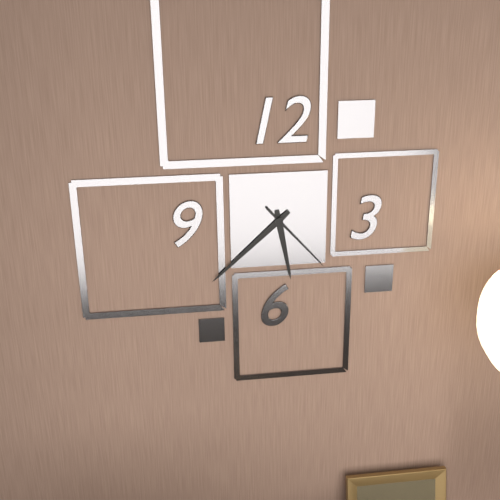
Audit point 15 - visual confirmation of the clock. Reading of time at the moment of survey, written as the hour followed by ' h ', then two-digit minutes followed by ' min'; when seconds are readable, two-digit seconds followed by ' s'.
5 h 38 min 23 s
